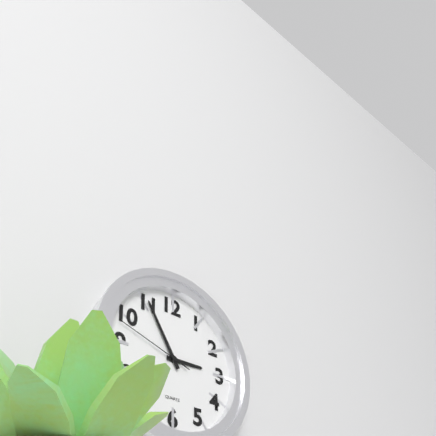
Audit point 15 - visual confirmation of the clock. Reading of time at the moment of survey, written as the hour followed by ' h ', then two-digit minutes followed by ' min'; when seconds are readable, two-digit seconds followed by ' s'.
2 h 55 min 48 s
